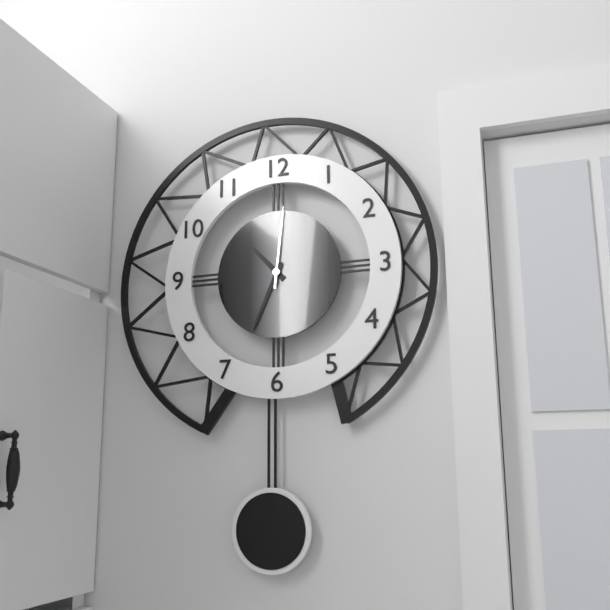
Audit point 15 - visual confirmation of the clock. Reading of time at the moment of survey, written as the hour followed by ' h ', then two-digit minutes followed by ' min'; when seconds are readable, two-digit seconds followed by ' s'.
10 h 34 min 01 s
